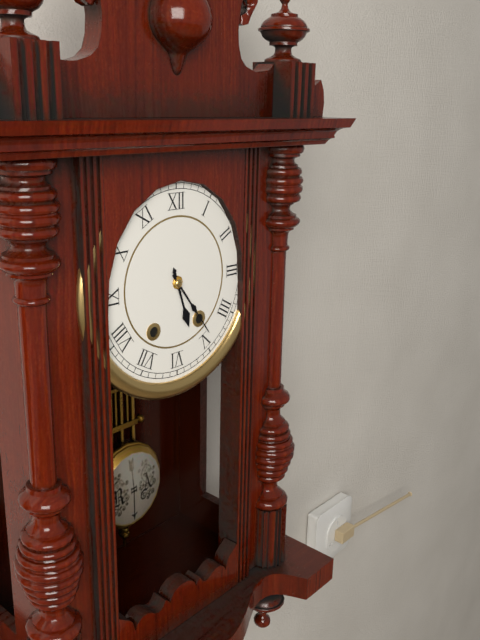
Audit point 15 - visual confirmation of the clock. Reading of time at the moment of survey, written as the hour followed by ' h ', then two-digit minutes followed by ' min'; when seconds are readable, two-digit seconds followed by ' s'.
5 h 24 min
